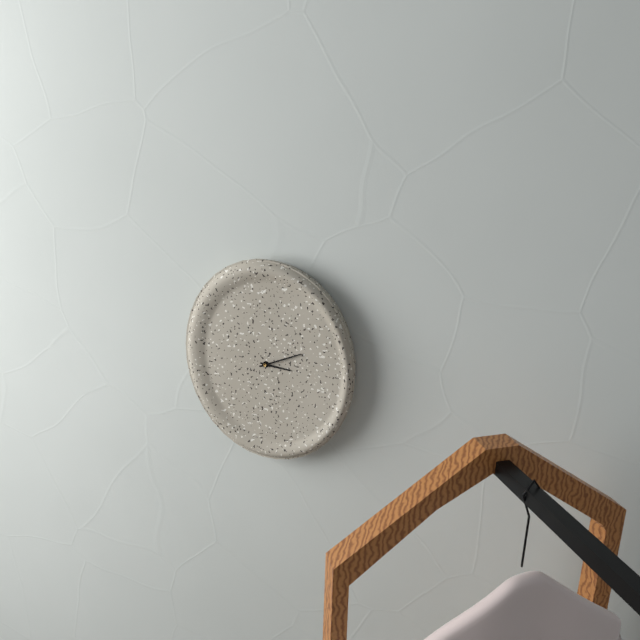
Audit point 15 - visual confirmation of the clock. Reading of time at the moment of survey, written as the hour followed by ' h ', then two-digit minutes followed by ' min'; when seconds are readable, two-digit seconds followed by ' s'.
3 h 11 min
